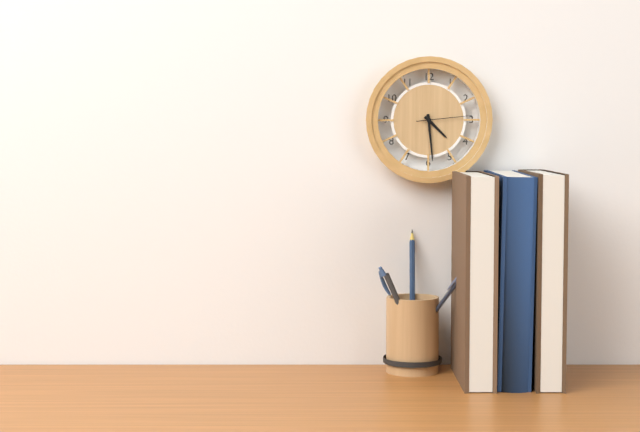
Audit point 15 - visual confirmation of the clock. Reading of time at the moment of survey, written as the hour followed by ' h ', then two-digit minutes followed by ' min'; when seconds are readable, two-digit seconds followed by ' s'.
4 h 29 min 14 s
